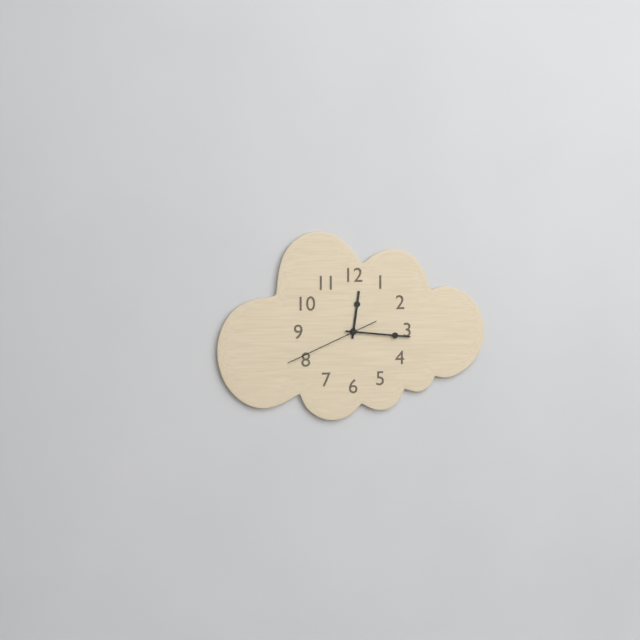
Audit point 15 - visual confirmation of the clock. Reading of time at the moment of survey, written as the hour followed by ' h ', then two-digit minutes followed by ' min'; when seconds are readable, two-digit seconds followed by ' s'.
12 h 16 min 41 s
